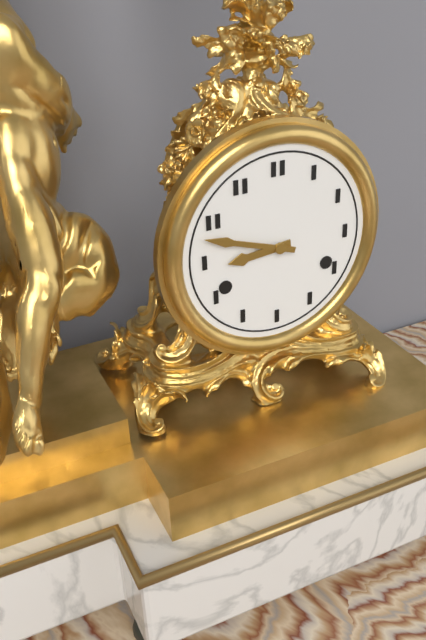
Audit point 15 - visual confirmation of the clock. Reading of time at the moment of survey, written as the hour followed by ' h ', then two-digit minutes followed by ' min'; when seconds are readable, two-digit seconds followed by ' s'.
8 h 48 min
